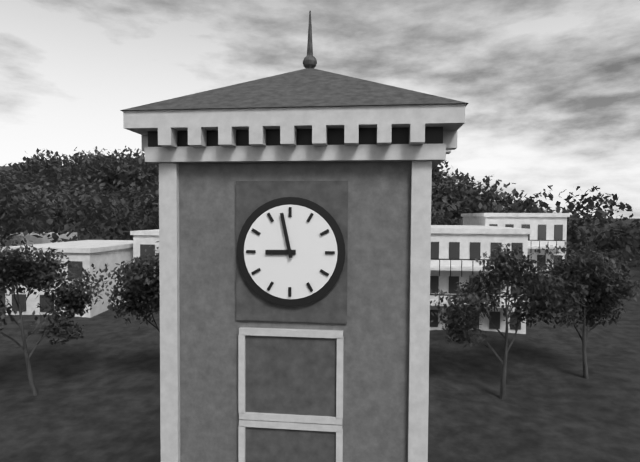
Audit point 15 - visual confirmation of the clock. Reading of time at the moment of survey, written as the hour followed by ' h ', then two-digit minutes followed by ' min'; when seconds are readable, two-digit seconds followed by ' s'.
8 h 58 min
